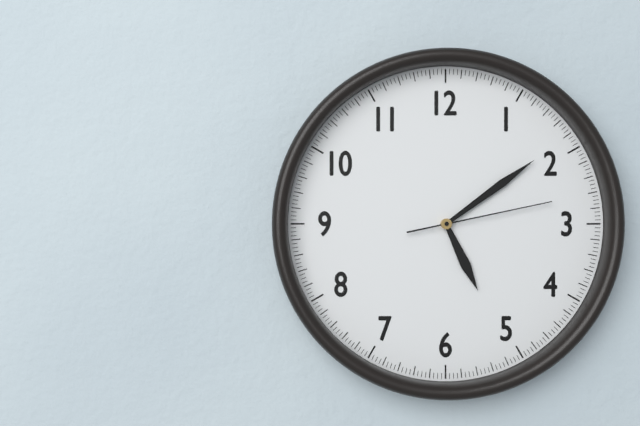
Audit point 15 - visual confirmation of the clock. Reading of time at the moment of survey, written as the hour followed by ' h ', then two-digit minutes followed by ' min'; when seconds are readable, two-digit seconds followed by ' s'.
5 h 09 min 13 s
